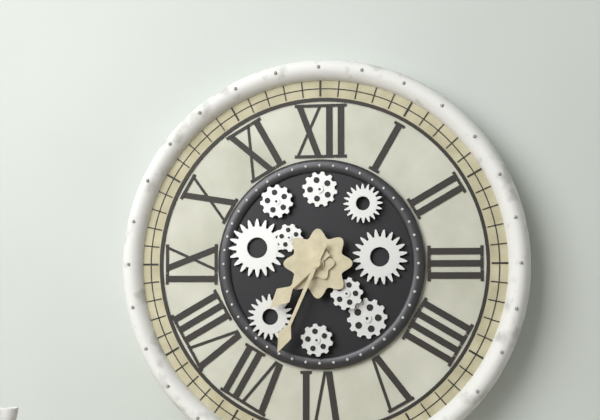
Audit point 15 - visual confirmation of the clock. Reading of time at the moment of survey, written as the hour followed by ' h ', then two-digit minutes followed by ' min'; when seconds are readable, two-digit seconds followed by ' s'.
7 h 34 min
